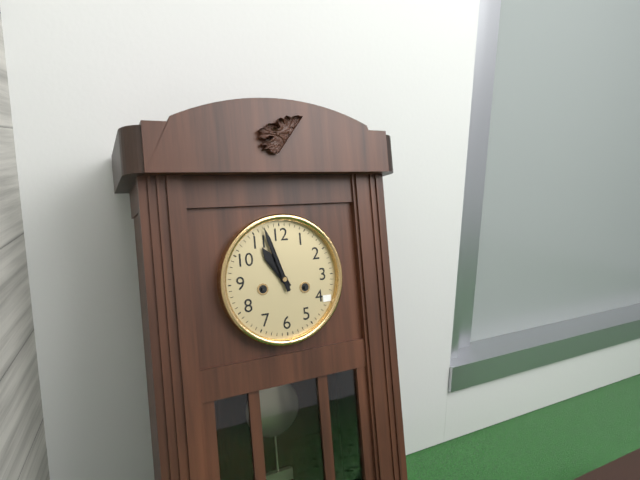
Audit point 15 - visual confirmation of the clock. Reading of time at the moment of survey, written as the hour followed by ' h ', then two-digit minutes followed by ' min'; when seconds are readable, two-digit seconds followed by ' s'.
10 h 57 min
